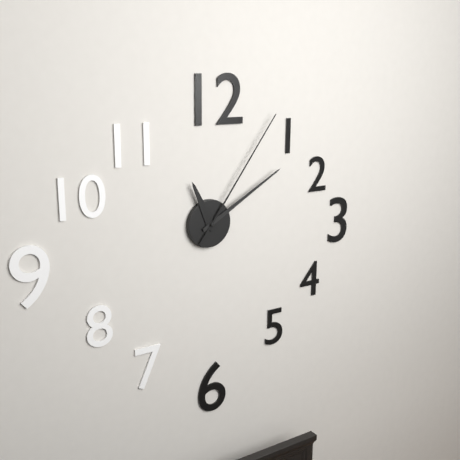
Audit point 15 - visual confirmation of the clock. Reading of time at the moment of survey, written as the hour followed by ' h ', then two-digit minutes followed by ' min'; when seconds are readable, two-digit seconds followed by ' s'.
11 h 10 min 06 s
